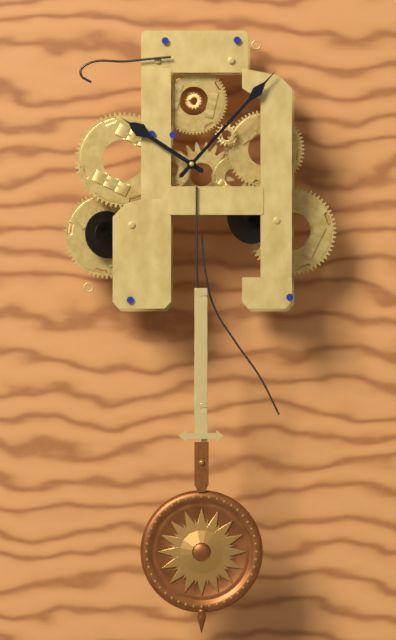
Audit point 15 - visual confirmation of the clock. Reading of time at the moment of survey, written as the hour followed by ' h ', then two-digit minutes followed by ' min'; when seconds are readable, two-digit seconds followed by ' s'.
10 h 07 min
